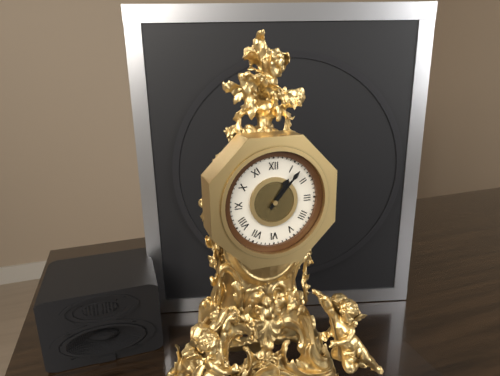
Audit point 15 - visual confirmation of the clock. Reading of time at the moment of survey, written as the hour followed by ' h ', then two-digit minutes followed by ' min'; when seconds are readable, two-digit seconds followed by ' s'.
1 h 07 min
